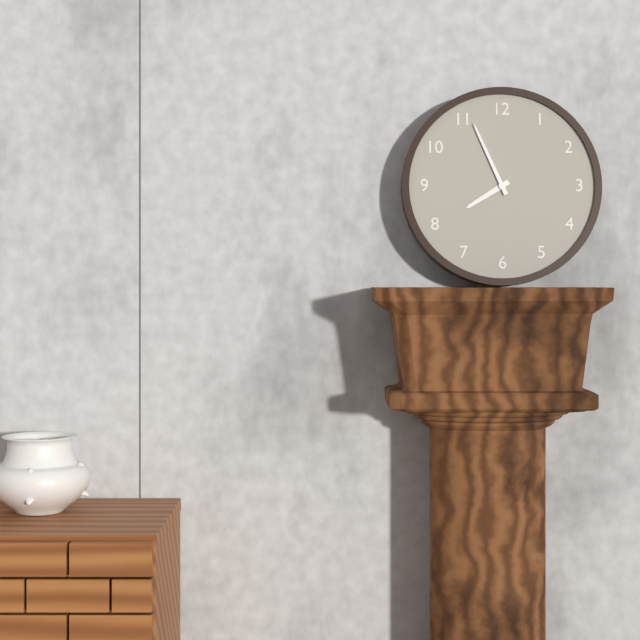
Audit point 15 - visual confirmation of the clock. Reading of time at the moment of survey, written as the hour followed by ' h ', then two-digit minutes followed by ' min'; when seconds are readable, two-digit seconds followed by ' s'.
7 h 56 min
